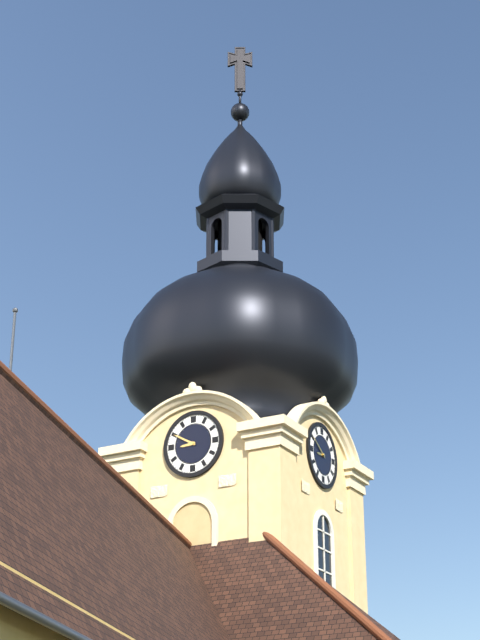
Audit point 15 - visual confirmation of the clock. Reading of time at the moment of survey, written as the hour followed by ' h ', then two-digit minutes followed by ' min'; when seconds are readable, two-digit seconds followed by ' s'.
8 h 50 min
